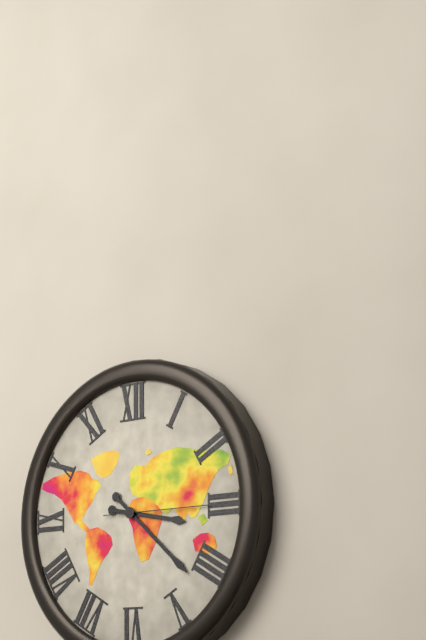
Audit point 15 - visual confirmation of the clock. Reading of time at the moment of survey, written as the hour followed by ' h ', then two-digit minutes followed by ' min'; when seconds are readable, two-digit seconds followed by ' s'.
3 h 22 min 15 s
